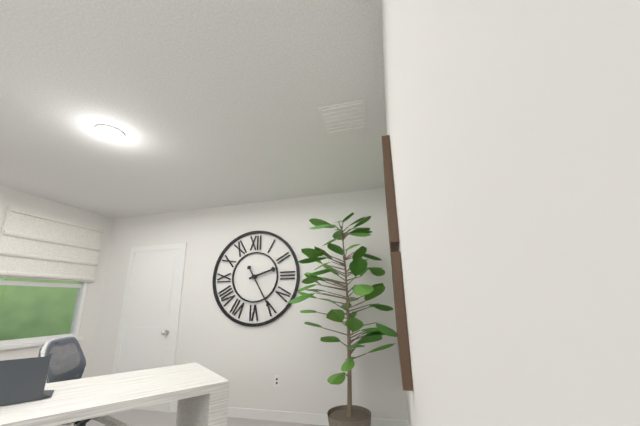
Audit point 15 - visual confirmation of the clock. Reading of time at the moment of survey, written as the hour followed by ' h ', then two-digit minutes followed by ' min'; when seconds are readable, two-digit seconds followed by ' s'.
2 h 25 min
